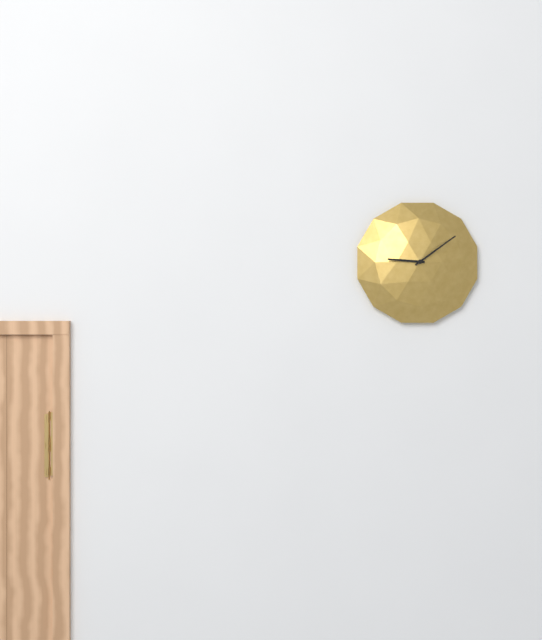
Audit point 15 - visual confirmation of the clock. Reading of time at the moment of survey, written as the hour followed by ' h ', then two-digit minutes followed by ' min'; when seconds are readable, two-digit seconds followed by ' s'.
9 h 09 min
